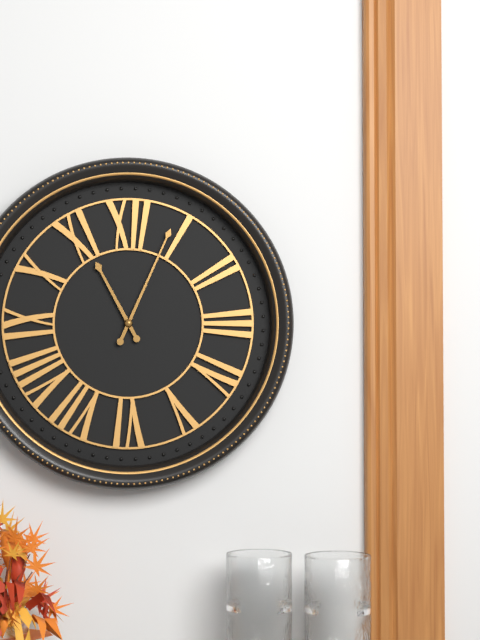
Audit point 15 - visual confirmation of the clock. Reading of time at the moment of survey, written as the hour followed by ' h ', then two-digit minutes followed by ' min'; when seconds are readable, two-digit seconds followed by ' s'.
11 h 04 min
